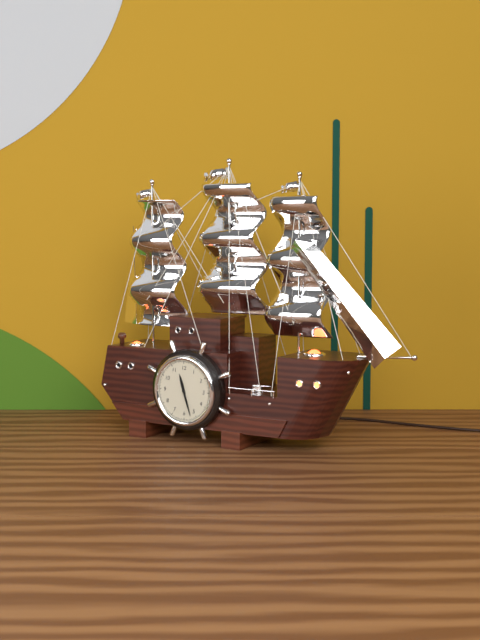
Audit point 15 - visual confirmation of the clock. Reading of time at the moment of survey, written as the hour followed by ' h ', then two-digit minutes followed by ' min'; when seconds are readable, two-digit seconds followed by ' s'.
11 h 27 min
